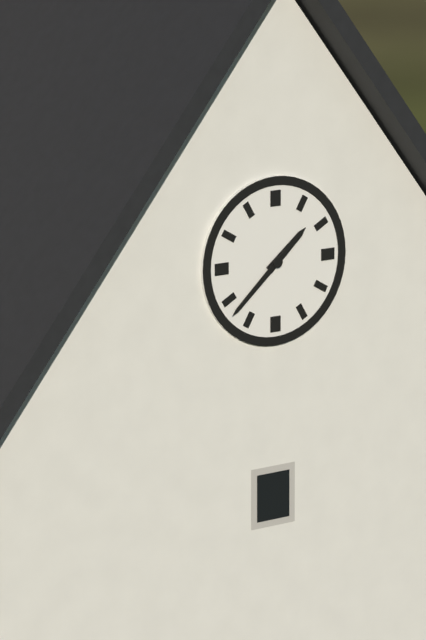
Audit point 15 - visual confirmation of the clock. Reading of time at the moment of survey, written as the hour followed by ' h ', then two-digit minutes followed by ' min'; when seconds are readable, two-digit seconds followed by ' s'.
1 h 38 min
